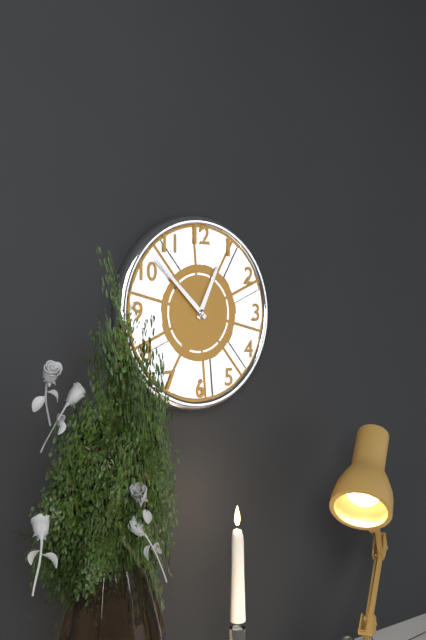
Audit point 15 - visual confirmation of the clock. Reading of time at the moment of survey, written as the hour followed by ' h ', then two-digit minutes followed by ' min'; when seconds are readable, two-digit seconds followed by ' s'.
12 h 52 min
